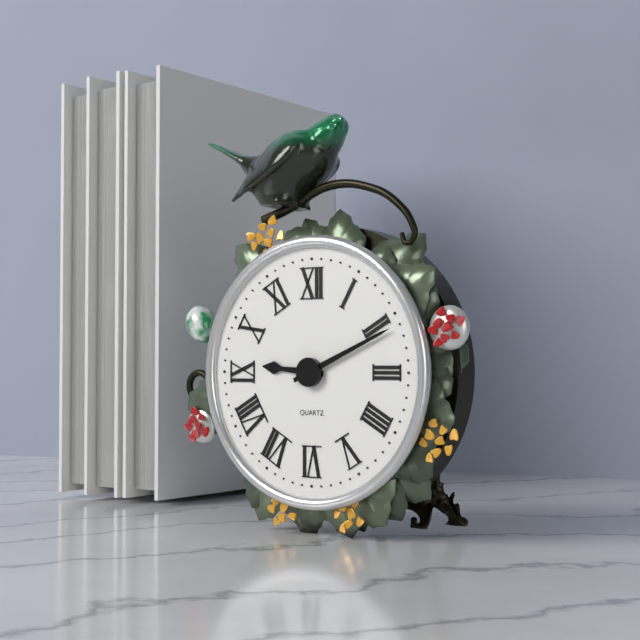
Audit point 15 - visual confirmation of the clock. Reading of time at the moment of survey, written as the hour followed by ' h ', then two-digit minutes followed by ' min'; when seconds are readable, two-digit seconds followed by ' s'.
9 h 11 min
